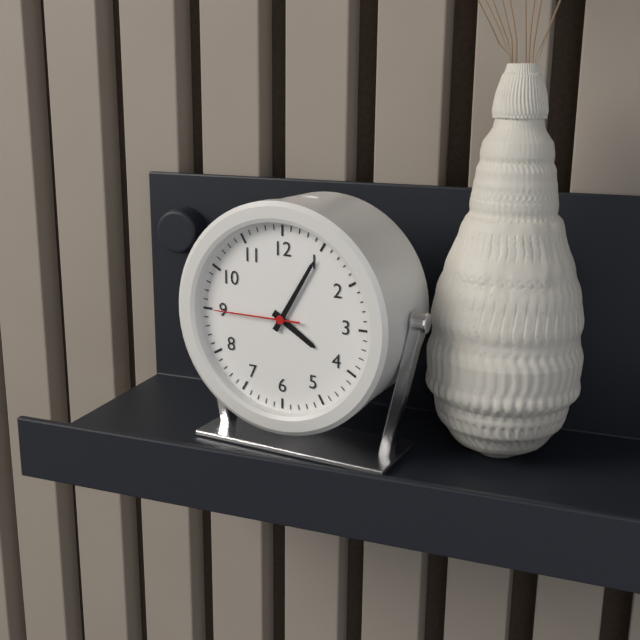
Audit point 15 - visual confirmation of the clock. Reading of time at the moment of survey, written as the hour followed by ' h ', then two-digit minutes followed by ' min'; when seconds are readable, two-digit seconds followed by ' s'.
4 h 05 min 45 s
